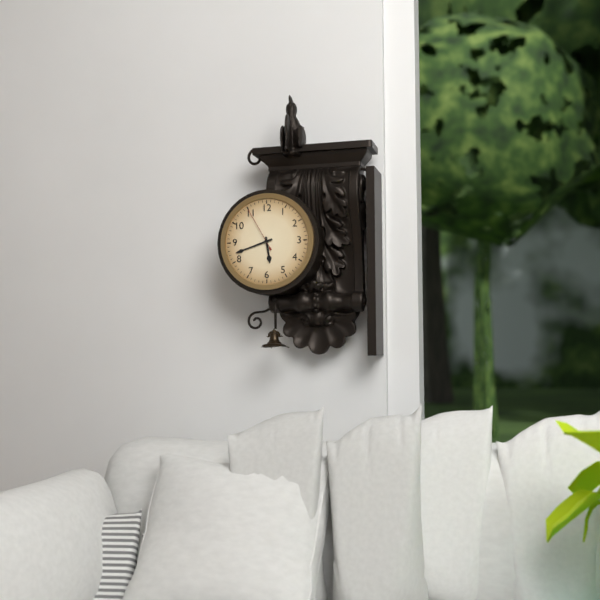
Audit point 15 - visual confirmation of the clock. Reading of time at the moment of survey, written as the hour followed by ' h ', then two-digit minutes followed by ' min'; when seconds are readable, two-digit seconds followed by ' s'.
5 h 42 min
